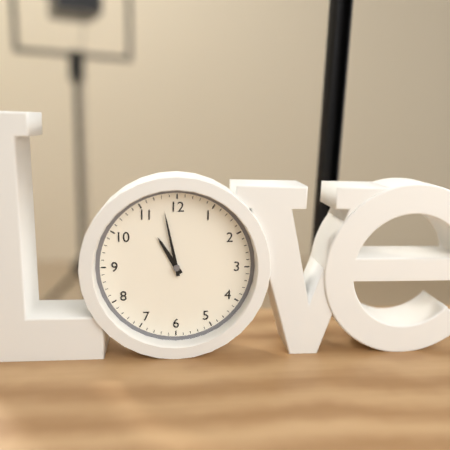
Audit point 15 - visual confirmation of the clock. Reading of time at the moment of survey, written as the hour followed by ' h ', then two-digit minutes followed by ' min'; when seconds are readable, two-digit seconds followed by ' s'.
10 h 58 min
